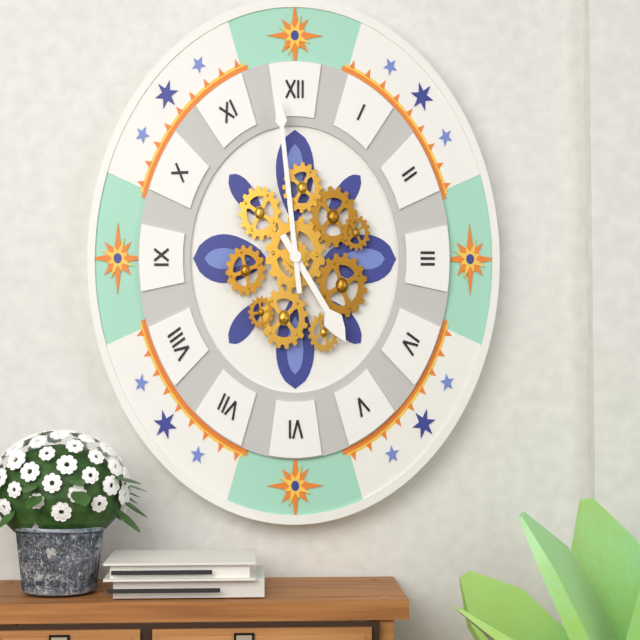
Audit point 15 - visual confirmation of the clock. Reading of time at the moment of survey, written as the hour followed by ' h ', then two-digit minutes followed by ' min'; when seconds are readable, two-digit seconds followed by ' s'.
4 h 59 min
